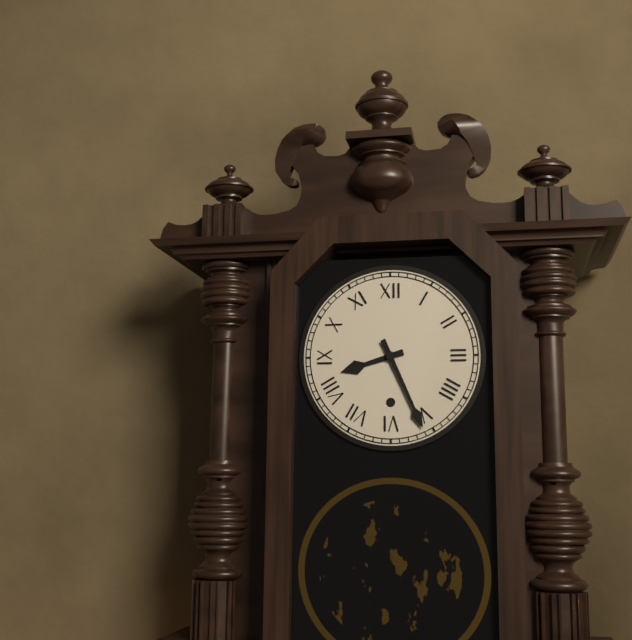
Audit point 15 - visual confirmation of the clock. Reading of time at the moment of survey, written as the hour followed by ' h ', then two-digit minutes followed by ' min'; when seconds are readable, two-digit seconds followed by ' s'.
8 h 26 min
